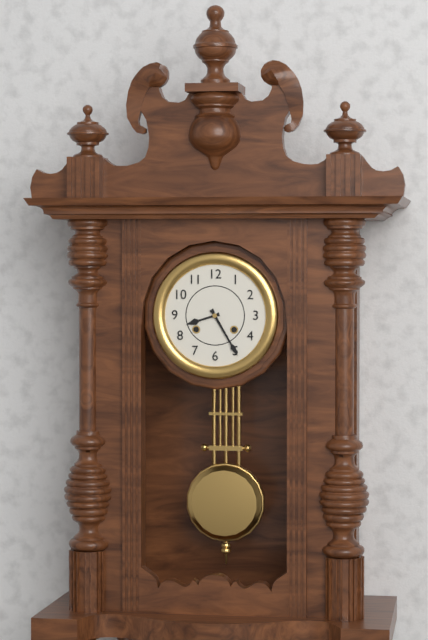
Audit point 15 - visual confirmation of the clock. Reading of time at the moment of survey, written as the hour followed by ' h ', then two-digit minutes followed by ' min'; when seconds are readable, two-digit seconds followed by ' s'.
8 h 25 min
